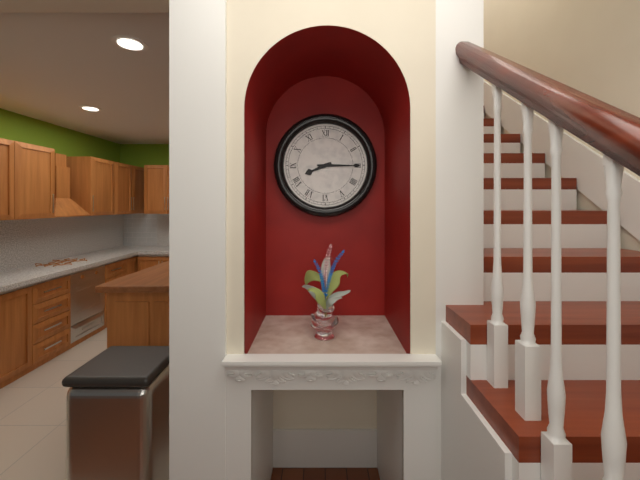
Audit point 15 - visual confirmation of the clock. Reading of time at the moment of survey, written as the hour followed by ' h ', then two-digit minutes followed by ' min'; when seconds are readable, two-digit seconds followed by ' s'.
8 h 15 min
